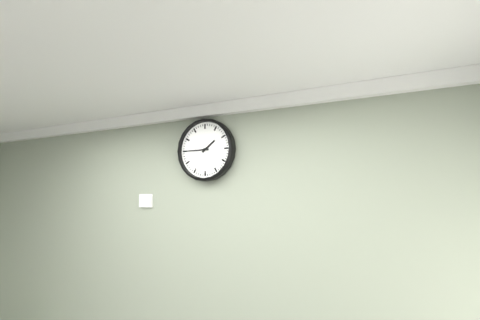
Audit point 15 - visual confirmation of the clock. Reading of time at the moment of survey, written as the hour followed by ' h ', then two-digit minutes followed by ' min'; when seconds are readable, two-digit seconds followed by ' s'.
1 h 45 min
